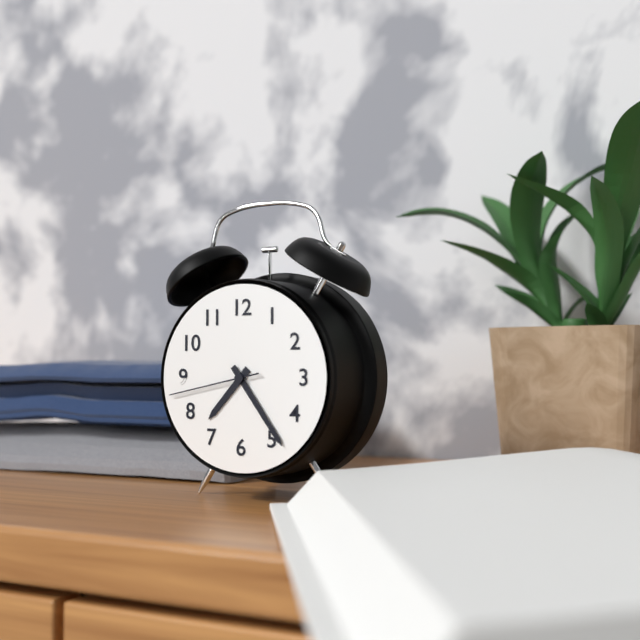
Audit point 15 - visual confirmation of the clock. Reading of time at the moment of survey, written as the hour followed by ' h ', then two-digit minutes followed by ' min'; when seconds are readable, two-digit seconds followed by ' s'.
7 h 24 min 43 s
